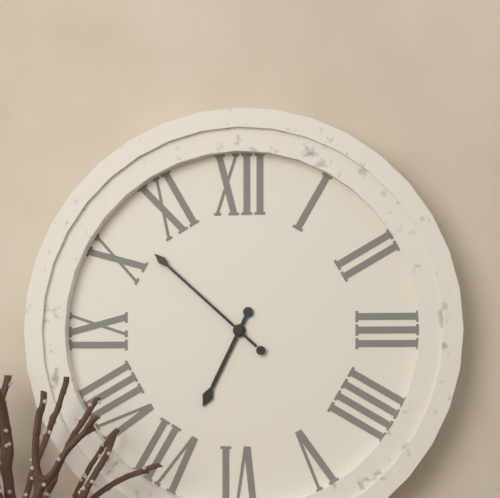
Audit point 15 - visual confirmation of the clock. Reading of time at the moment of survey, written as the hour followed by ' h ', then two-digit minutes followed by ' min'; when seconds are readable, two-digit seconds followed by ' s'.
6 h 52 min
